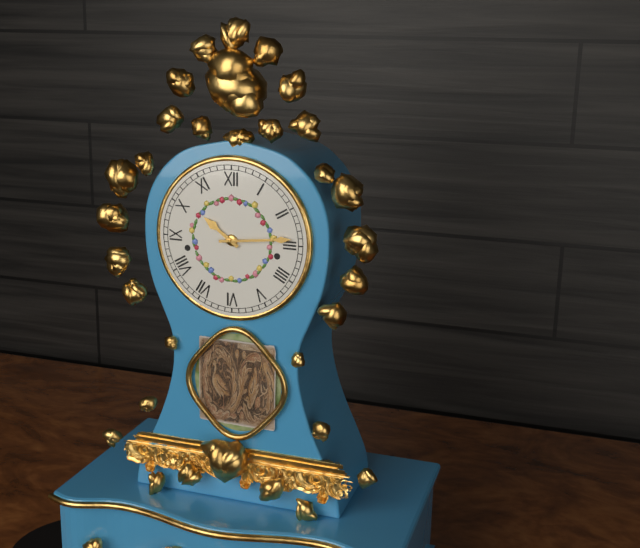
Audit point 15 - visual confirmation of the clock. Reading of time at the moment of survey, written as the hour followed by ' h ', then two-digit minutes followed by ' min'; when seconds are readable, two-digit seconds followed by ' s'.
10 h 14 min
